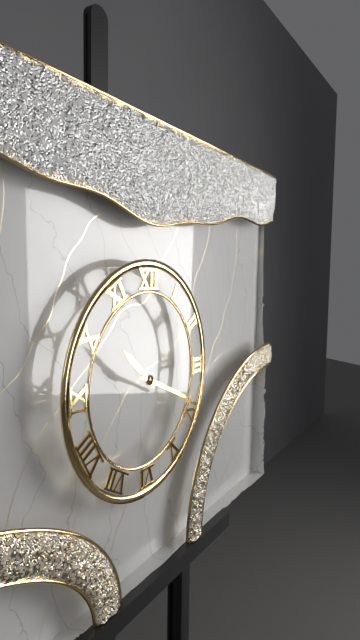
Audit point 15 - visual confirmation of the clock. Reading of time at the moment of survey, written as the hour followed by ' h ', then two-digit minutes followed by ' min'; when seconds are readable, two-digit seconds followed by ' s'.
10 h 19 min
